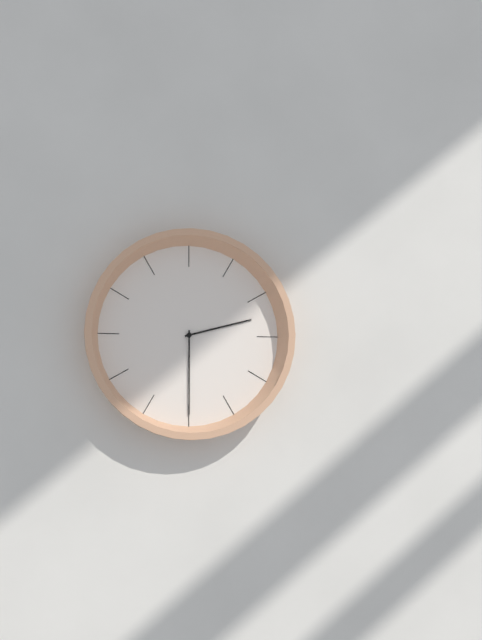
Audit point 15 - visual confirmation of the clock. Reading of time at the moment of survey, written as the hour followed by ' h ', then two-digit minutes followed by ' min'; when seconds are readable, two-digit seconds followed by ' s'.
2 h 30 min
